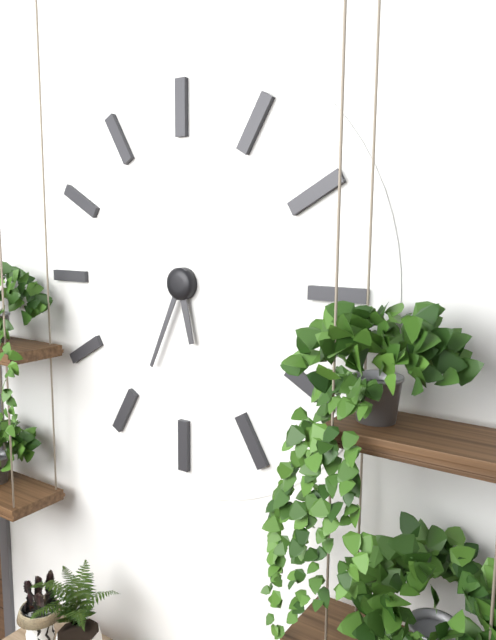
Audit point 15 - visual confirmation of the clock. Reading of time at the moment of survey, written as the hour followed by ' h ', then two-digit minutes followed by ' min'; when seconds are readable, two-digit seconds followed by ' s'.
5 h 34 min
